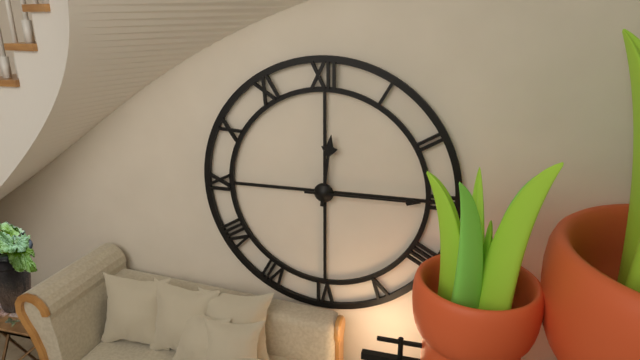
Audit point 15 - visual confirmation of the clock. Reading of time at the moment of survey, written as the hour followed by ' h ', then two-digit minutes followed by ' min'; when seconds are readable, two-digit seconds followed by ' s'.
12 h 15 min
